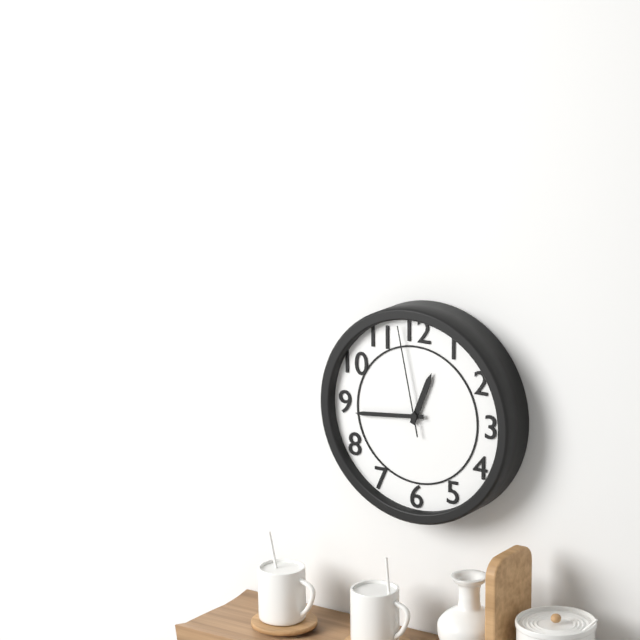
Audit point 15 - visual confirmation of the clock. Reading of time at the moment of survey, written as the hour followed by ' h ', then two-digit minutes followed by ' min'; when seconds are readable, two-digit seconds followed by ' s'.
12 h 44 min 58 s
